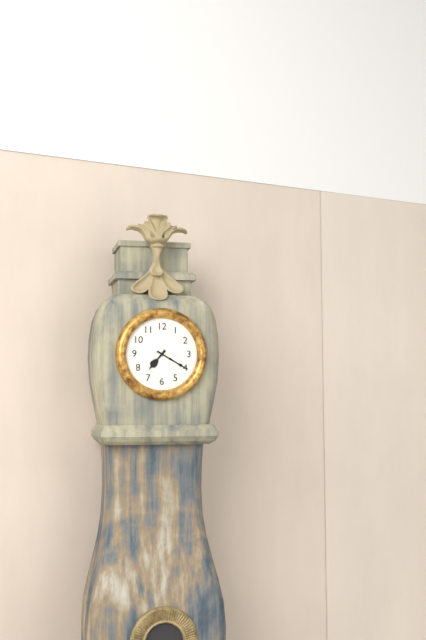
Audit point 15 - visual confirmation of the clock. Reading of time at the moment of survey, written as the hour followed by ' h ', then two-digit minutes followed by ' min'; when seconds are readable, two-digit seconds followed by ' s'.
7 h 20 min
